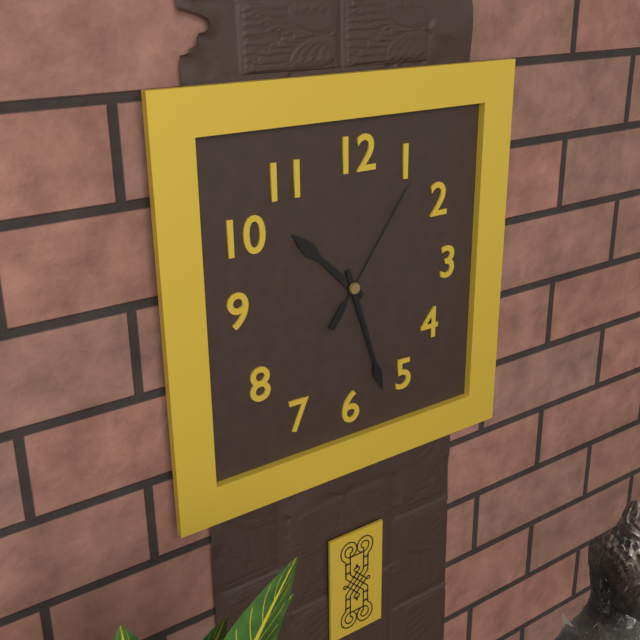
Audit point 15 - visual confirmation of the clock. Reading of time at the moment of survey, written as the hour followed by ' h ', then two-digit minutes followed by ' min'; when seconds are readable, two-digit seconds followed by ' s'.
10 h 27 min 06 s
